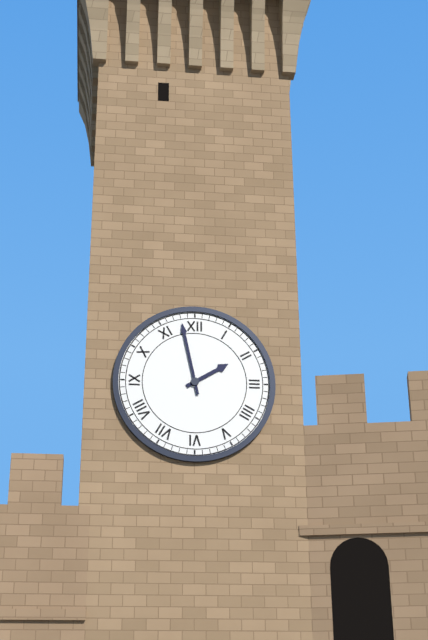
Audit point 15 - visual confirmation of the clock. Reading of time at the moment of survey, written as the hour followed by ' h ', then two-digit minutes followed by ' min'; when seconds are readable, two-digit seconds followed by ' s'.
1 h 58 min
